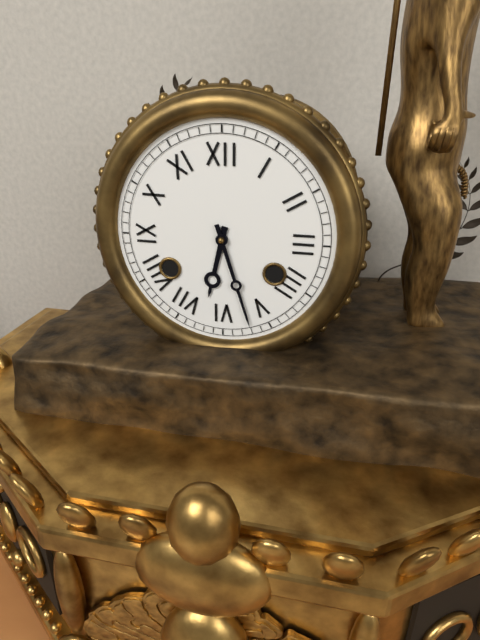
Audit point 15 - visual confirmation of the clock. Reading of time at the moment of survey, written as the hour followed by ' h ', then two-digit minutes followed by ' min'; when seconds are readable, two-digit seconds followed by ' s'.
6 h 27 min
